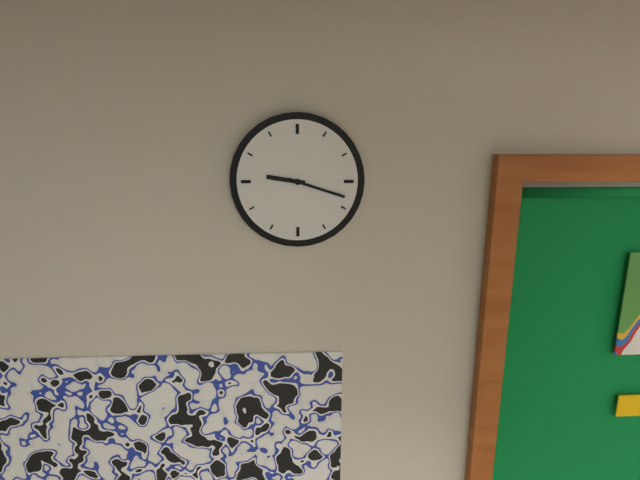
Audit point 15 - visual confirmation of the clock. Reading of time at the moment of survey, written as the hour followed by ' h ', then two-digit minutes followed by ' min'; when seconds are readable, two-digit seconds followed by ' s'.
9 h 18 min
